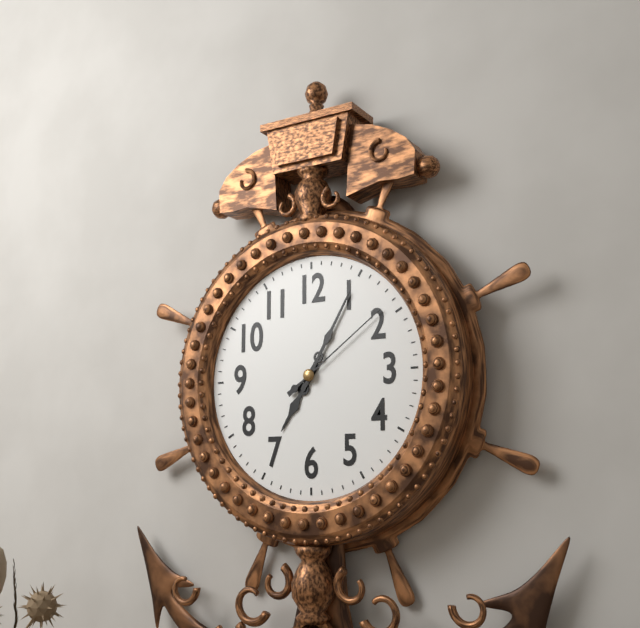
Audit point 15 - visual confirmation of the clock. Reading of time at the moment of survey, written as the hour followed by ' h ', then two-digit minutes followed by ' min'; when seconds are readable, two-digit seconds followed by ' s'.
7 h 05 min 09 s
